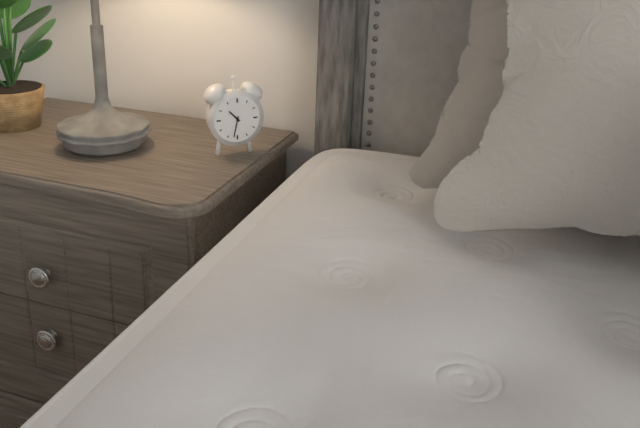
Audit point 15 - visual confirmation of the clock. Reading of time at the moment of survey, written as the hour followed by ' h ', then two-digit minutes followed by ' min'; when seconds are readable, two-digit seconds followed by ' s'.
10 h 32 min
